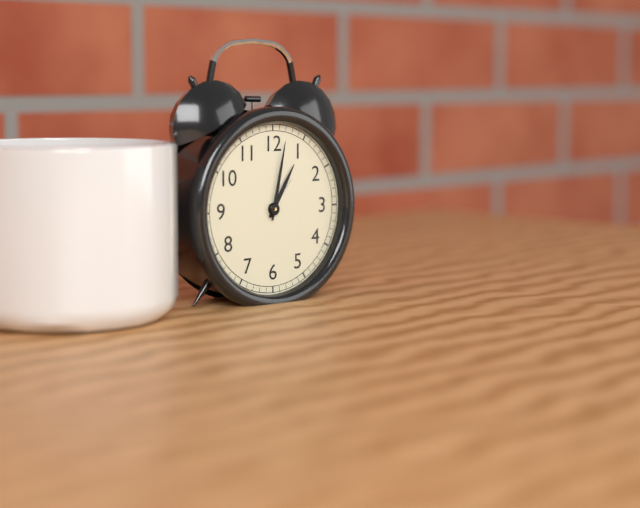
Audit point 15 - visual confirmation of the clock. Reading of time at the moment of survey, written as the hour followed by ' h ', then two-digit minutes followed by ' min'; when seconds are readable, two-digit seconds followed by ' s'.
1 h 02 min
